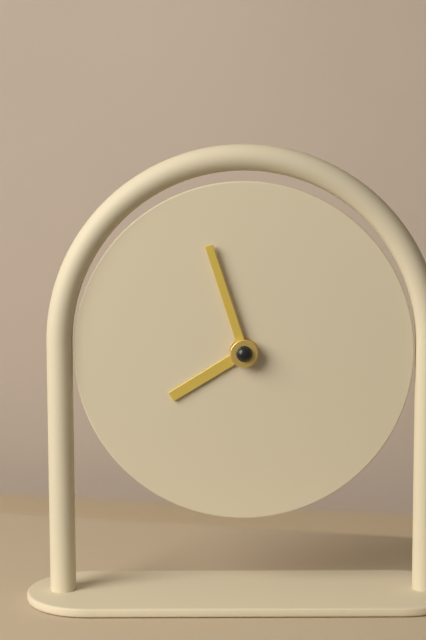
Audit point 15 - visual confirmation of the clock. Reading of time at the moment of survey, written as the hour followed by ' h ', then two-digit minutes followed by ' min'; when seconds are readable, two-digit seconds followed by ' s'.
7 h 57 min
